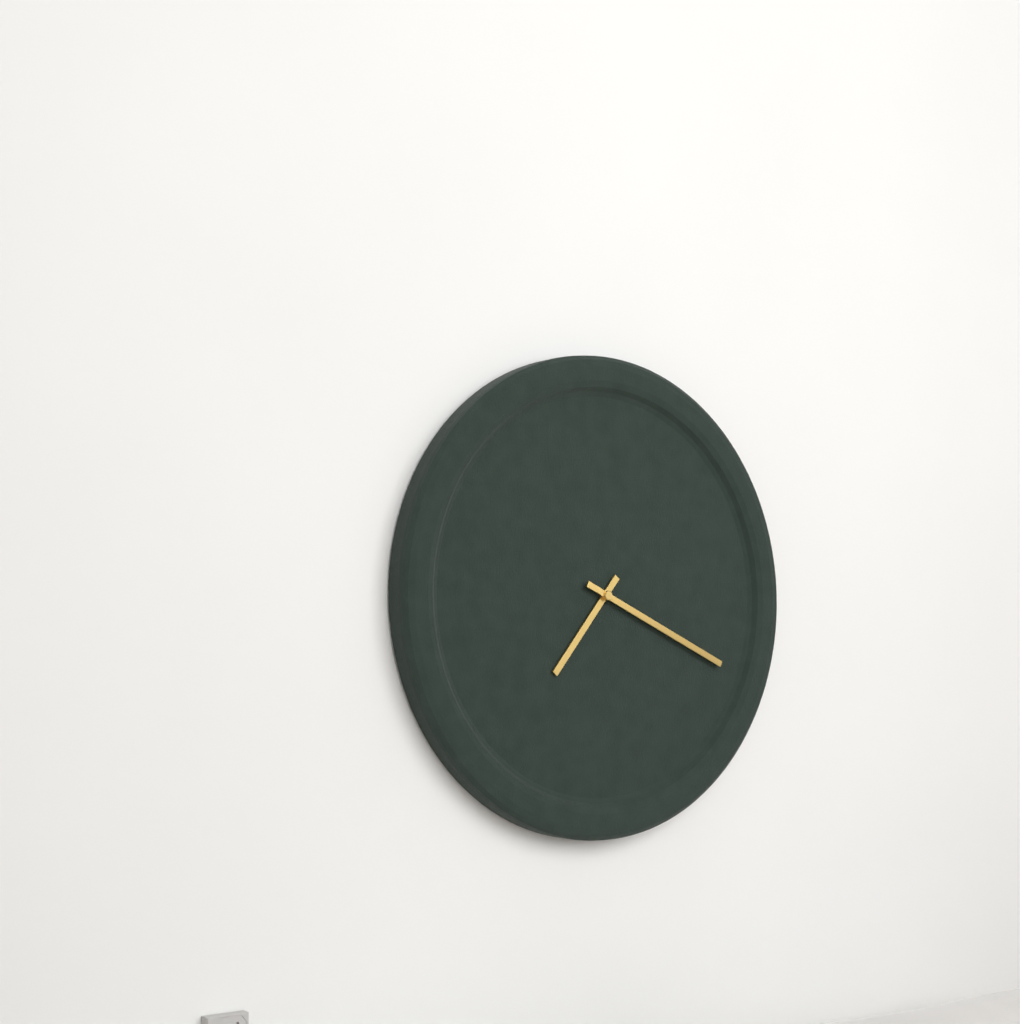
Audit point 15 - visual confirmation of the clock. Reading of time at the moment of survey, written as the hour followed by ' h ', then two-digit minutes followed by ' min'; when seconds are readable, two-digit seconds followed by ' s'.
7 h 19 min
